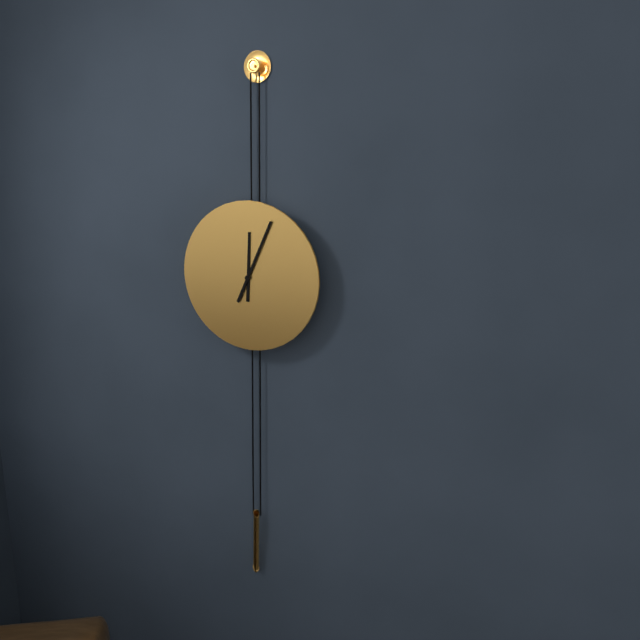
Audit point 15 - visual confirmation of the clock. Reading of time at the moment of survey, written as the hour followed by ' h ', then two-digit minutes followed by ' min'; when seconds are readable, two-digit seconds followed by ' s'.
12 h 04 min
